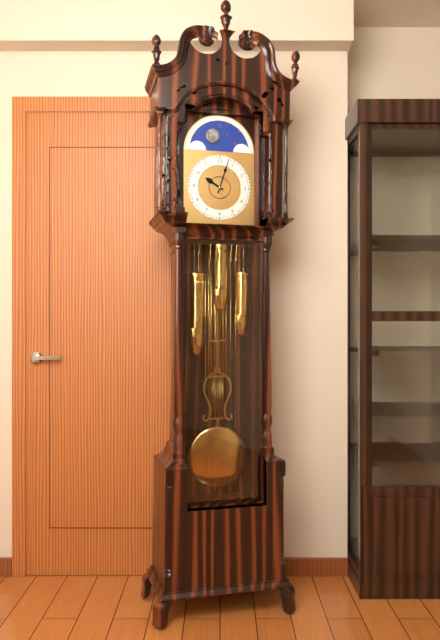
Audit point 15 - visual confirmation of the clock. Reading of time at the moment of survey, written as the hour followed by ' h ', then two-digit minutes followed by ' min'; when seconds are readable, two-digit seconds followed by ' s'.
10 h 03 min
